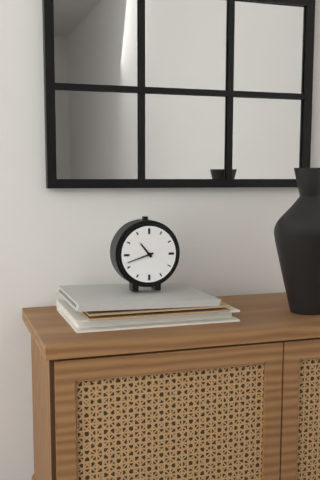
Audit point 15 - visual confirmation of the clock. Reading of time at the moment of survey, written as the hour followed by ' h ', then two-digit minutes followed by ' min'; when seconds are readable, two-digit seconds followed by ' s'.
10 h 42 min
